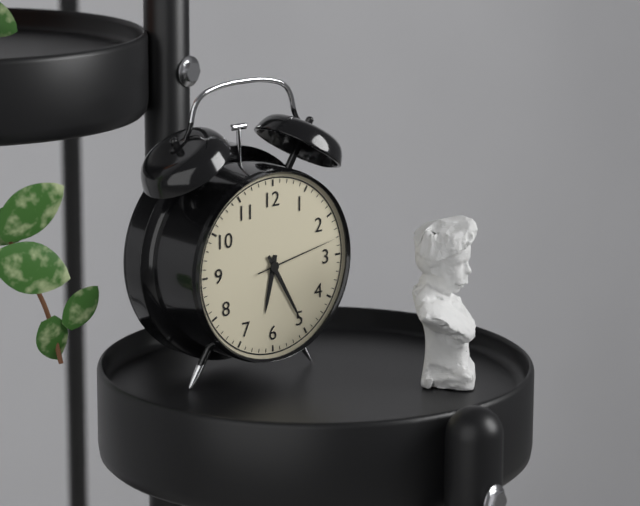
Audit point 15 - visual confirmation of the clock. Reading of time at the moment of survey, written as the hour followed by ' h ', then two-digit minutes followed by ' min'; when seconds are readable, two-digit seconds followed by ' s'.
6 h 25 min 13 s
